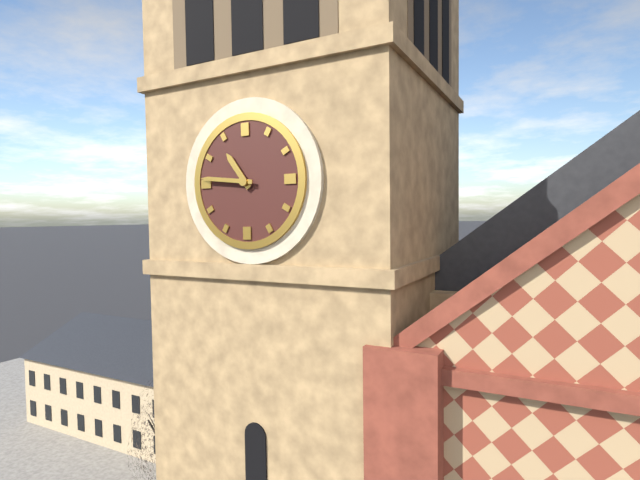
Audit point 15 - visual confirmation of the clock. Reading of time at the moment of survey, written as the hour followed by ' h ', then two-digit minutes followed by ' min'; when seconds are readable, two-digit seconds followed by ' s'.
10 h 46 min
